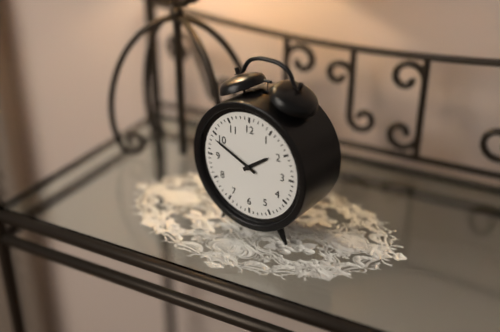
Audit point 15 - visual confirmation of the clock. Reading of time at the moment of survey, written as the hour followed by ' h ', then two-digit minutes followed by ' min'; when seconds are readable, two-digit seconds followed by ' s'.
1 h 49 min
